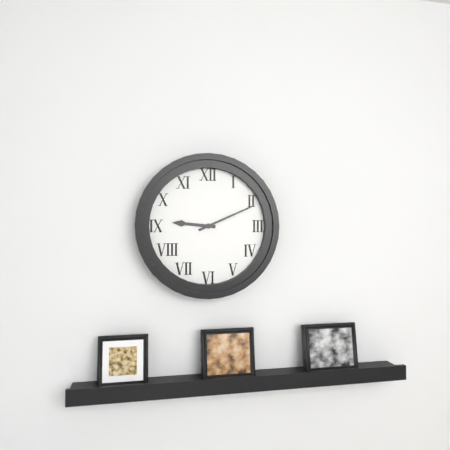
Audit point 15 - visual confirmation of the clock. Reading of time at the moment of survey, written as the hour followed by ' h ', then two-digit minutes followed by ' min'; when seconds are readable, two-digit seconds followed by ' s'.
9 h 11 min
